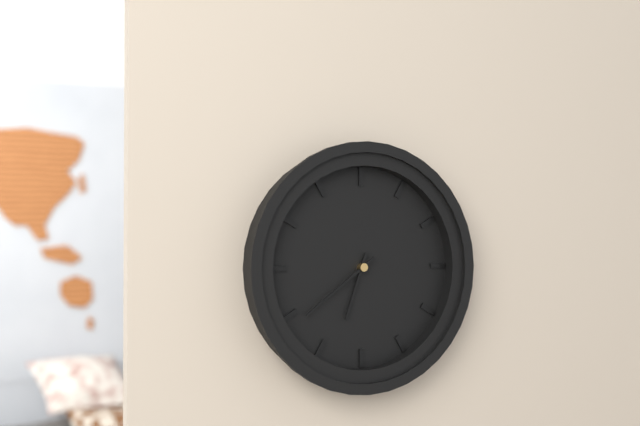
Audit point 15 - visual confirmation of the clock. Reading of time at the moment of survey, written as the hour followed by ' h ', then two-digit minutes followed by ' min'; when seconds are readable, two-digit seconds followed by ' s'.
6 h 39 min
